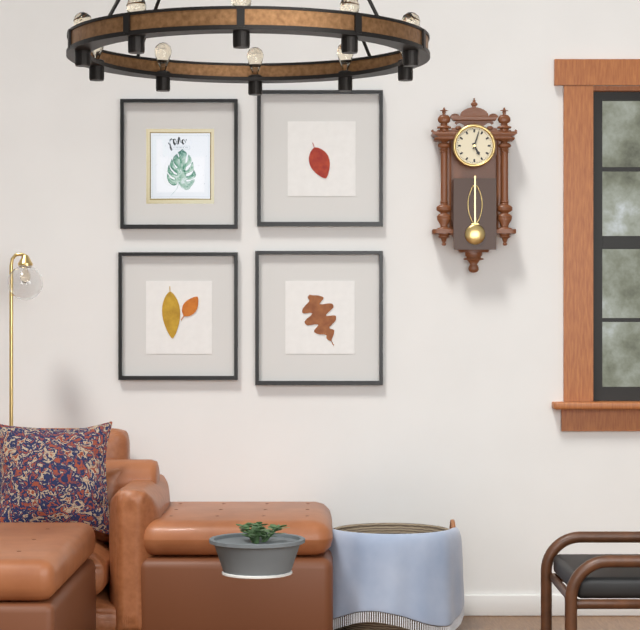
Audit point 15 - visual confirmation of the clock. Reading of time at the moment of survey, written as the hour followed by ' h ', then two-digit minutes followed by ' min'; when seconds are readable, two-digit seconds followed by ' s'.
5 h 03 min
